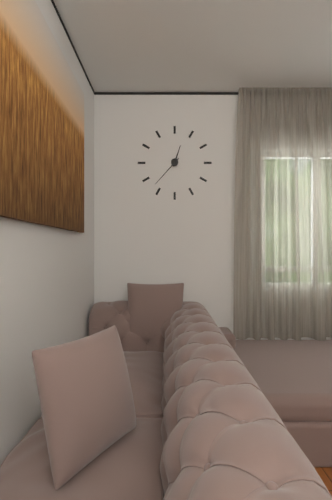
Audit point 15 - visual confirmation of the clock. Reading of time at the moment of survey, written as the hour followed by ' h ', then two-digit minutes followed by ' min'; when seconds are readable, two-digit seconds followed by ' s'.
12 h 37 min
